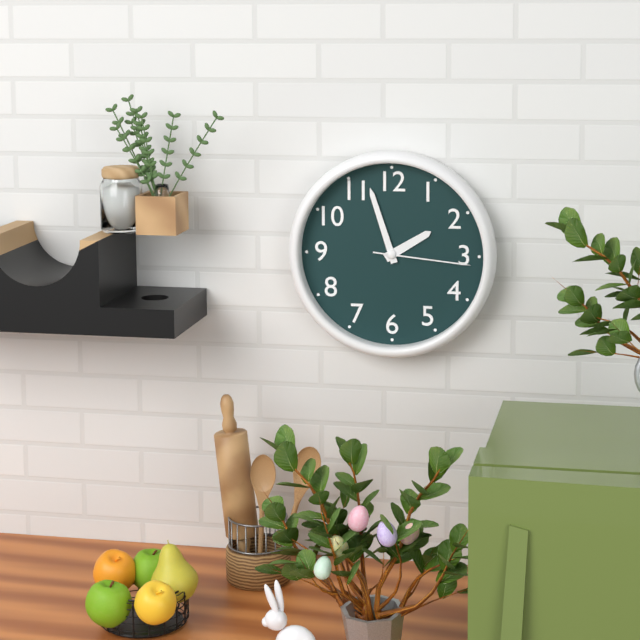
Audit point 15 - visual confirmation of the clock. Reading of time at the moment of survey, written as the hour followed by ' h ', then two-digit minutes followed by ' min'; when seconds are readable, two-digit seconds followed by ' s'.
1 h 57 min 16 s
